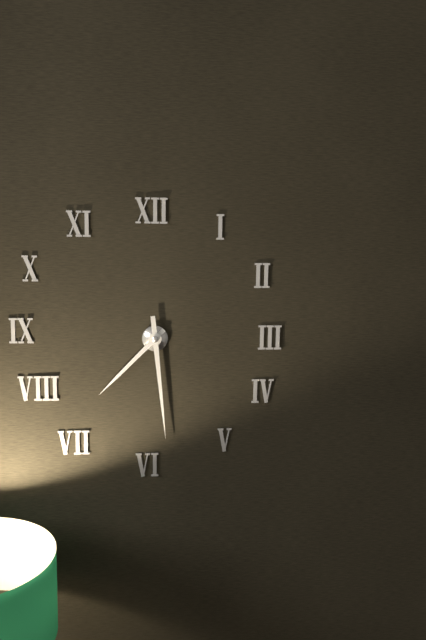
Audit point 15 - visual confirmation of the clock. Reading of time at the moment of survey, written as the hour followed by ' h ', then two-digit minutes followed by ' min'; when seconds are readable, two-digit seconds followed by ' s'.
7 h 29 min
